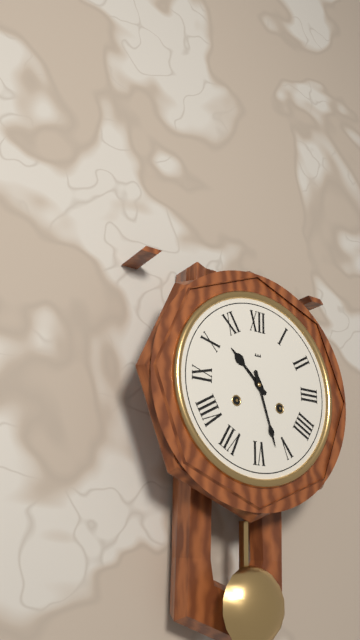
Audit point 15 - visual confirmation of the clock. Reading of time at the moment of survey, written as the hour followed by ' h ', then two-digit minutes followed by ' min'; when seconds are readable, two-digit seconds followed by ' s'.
10 h 27 min
